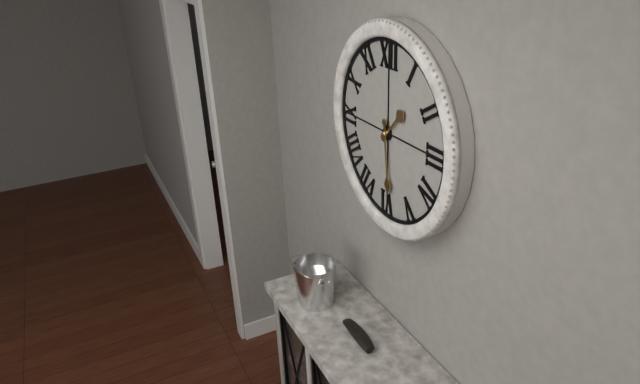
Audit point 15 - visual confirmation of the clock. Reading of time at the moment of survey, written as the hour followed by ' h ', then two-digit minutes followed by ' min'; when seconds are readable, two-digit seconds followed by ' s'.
1 h 29 min
